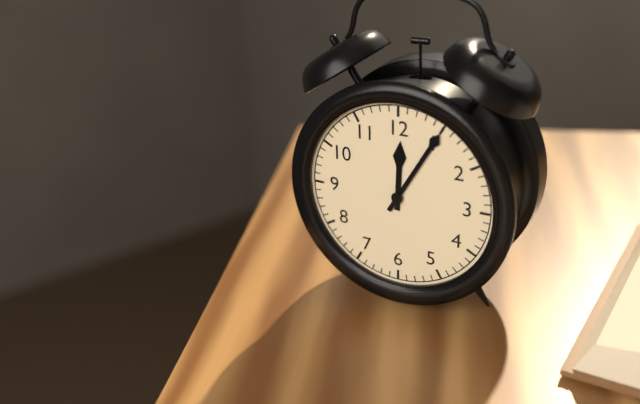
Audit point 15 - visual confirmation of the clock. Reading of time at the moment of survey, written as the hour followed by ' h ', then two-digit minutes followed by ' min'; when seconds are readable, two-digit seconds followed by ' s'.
12 h 05 min
